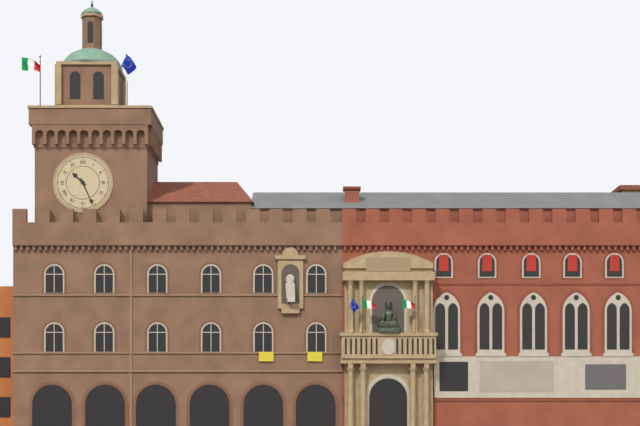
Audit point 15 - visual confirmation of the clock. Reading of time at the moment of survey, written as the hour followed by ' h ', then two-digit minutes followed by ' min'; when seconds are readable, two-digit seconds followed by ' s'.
10 h 26 min
